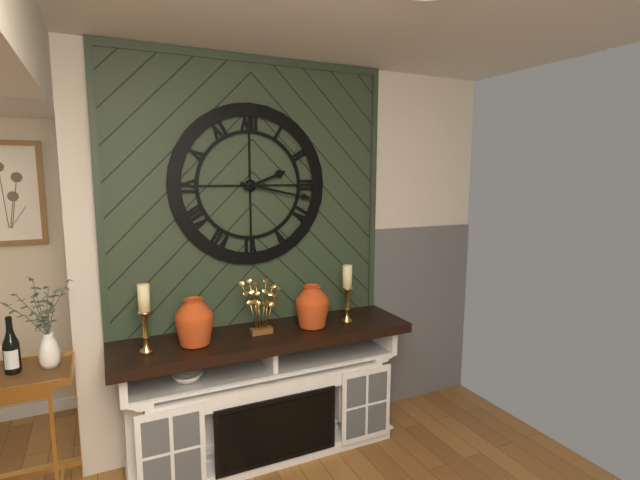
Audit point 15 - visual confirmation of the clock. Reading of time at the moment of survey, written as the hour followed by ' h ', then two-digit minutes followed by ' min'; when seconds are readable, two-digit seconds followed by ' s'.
2 h 17 min
